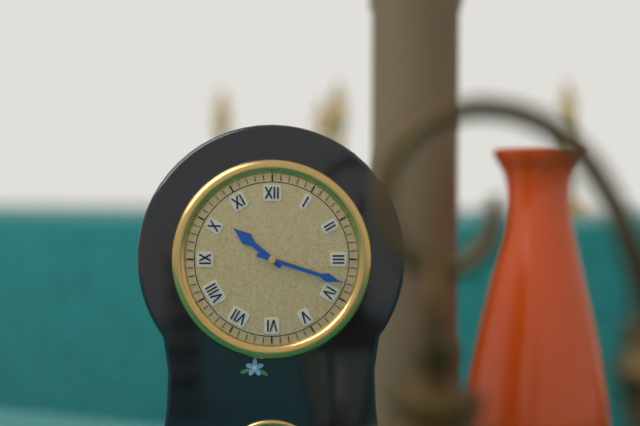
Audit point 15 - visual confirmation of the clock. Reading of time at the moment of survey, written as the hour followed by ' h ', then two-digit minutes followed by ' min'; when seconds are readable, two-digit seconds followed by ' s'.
10 h 18 min
